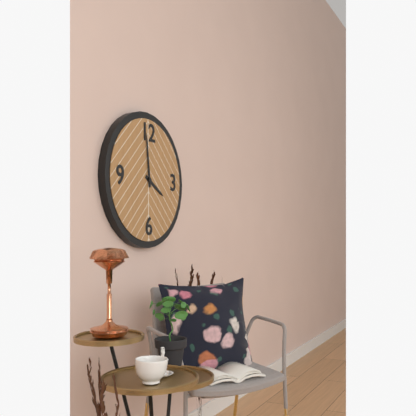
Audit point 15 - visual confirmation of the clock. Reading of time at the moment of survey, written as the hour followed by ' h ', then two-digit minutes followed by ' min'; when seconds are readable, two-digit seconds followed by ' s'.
3 h 59 min
